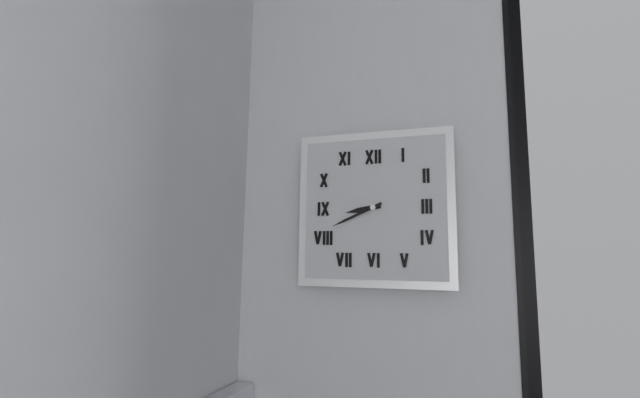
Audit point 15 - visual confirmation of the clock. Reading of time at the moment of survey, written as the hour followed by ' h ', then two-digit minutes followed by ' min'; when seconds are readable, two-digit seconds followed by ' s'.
8 h 41 min
